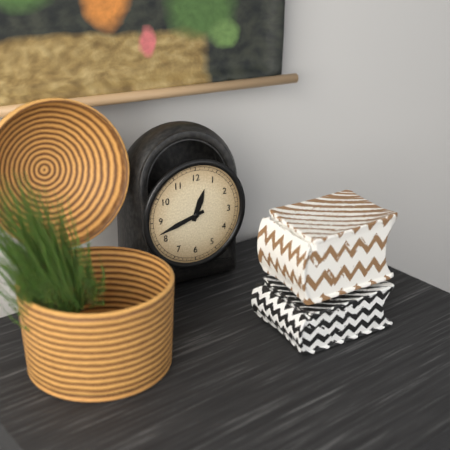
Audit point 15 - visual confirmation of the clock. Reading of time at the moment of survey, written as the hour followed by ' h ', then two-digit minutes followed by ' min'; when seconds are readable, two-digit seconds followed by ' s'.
12 h 42 min
